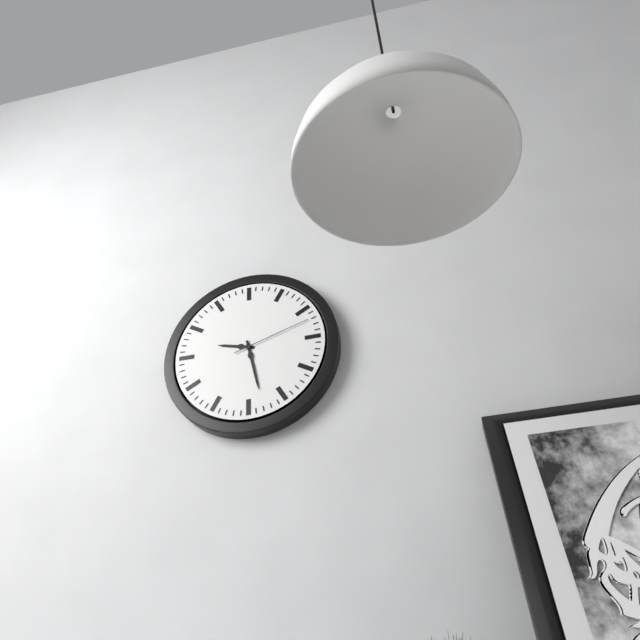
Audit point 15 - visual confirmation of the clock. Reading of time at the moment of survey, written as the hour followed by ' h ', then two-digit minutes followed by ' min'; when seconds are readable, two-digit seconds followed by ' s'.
9 h 28 min 12 s
